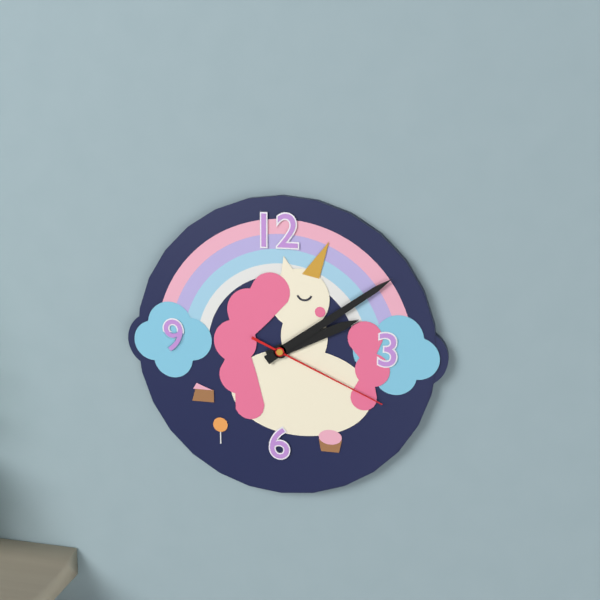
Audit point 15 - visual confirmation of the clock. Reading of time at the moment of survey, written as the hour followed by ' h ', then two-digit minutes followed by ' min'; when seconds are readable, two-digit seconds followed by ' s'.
2 h 09 min 19 s
